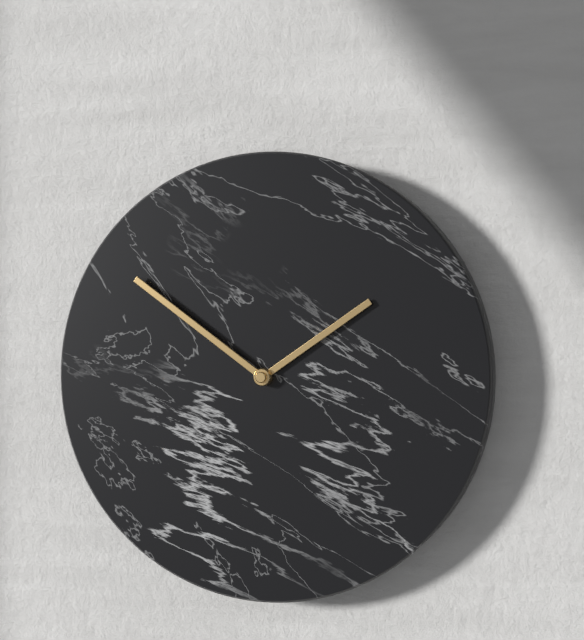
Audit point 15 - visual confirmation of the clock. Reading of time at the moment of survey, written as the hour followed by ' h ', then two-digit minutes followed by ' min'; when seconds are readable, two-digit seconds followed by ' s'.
1 h 51 min
